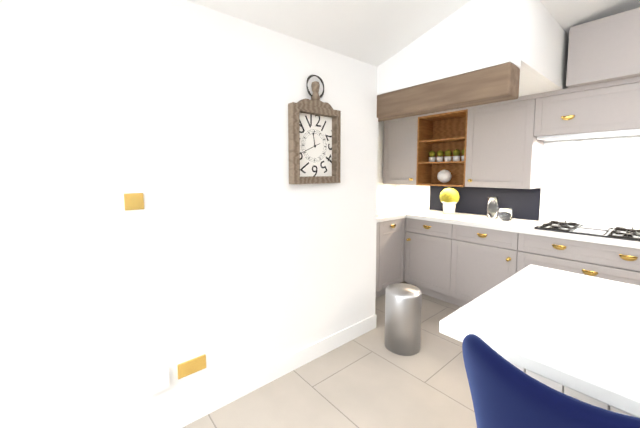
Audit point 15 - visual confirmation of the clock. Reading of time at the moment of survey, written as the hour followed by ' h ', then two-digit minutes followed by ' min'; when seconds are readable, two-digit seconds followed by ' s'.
11 h 41 min
